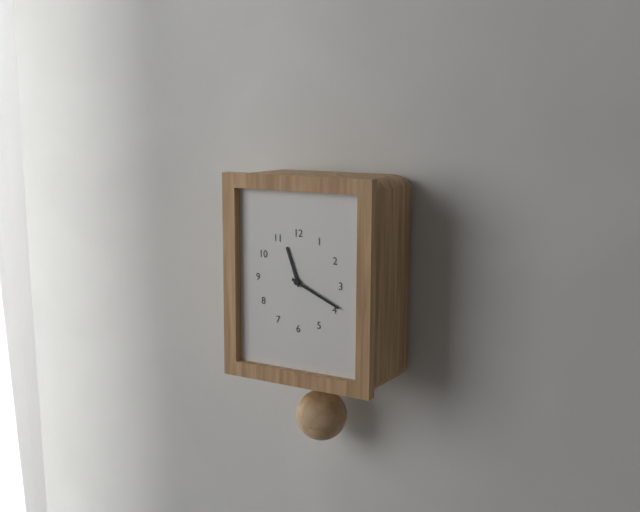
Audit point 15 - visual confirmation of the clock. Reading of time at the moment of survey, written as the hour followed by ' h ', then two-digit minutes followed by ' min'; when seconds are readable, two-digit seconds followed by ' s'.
11 h 19 min
